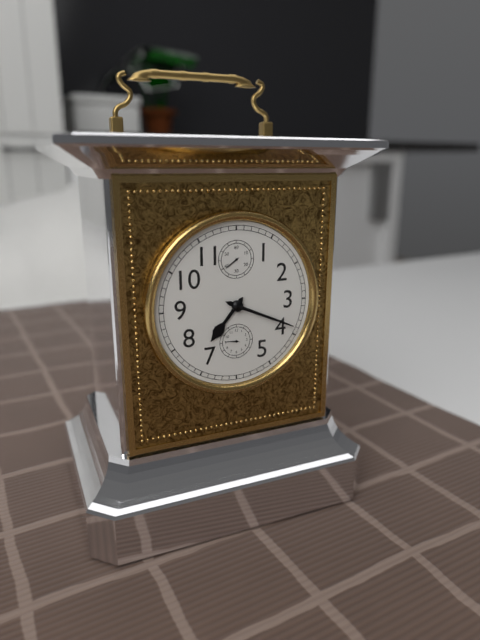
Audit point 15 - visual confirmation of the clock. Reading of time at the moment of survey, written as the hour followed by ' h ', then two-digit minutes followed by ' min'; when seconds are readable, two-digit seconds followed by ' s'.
7 h 19 min
